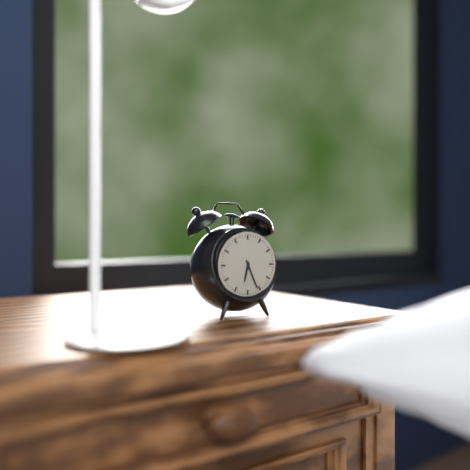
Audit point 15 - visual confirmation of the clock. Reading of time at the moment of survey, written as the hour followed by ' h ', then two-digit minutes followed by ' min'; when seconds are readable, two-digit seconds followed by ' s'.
6 h 26 min
